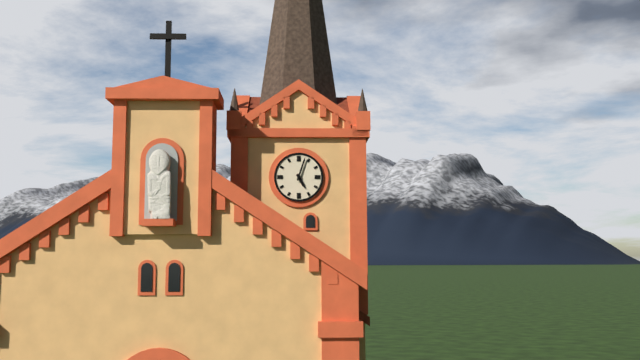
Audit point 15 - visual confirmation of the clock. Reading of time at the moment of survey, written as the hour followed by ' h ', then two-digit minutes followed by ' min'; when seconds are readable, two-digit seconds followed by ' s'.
5 h 03 min
